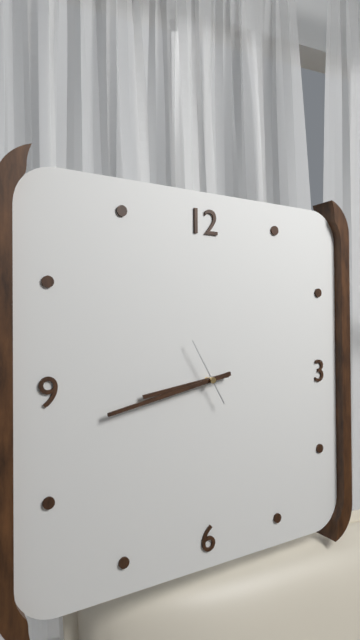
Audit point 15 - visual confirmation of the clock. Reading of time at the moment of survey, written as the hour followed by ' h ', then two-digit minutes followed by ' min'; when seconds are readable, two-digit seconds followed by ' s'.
8 h 43 min 55 s
